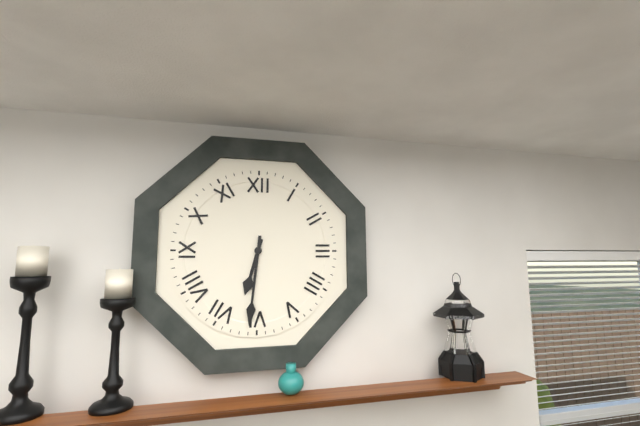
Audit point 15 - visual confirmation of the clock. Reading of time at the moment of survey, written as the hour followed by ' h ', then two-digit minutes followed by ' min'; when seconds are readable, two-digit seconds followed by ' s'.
6 h 31 min
